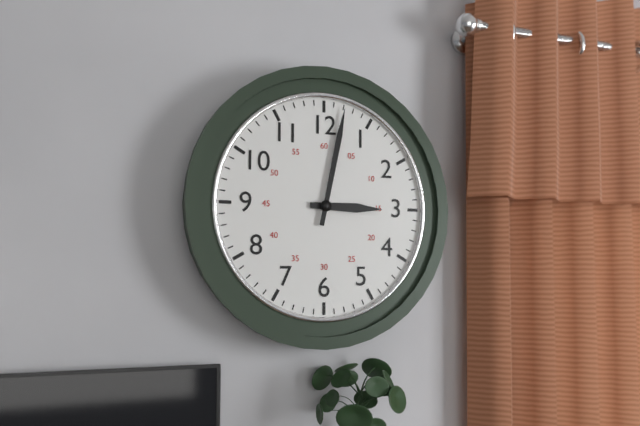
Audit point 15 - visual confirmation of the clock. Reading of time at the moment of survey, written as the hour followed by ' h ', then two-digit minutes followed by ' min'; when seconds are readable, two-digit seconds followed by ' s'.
3 h 02 min
